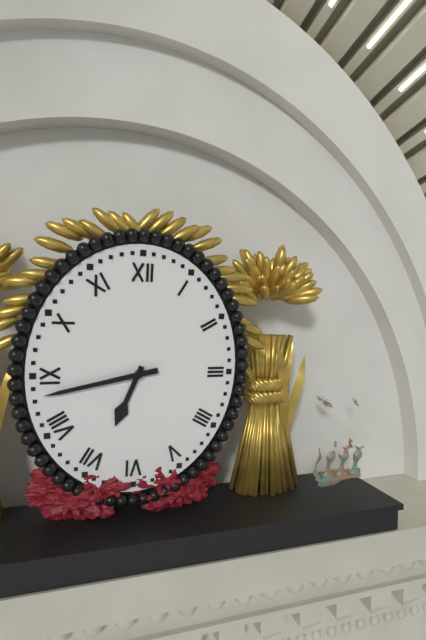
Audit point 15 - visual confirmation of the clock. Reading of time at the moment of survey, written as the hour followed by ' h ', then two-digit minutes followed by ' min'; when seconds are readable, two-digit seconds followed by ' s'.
6 h 43 min
